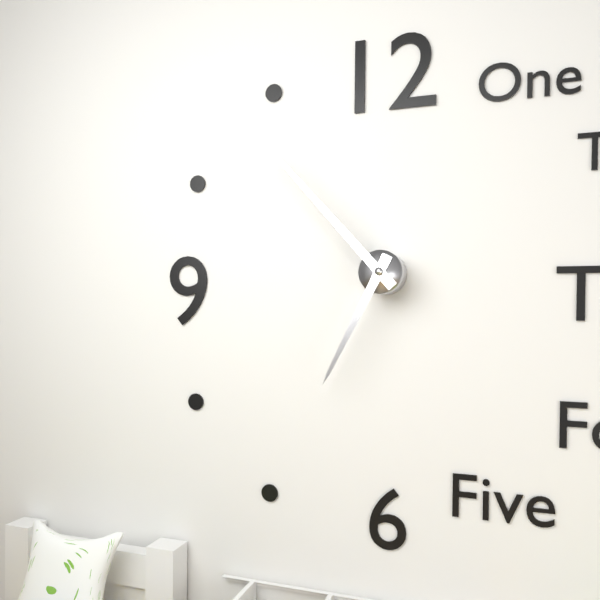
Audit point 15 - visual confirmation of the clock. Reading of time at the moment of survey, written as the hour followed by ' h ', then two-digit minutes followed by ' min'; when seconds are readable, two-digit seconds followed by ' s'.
6 h 53 min
